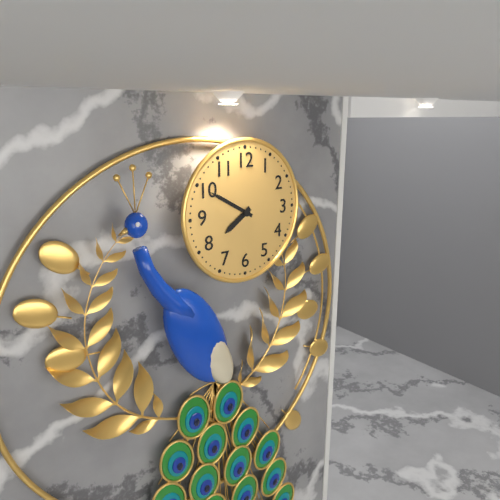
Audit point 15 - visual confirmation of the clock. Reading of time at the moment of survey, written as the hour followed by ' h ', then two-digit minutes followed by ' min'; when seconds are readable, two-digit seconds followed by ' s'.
7 h 50 min
